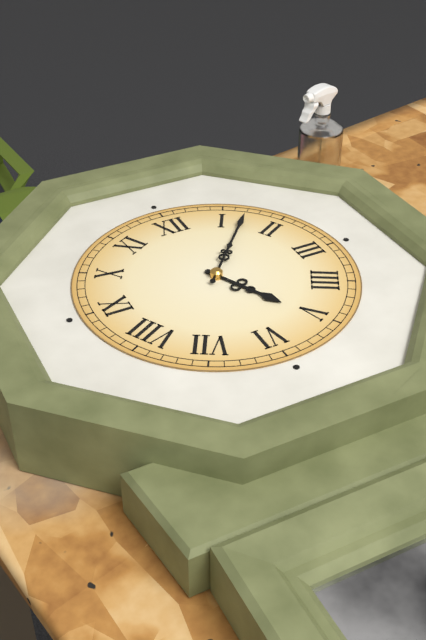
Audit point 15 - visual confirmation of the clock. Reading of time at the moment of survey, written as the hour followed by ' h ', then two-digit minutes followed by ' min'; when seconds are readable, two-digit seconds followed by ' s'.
5 h 07 min
